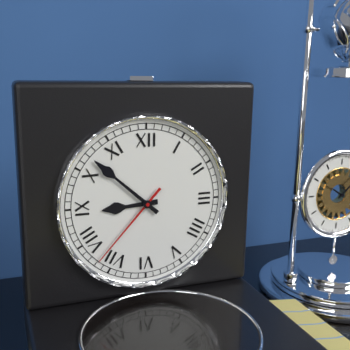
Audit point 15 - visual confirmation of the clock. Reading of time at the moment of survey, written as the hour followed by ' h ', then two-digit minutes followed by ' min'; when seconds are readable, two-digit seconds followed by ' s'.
8 h 52 min 37 s
